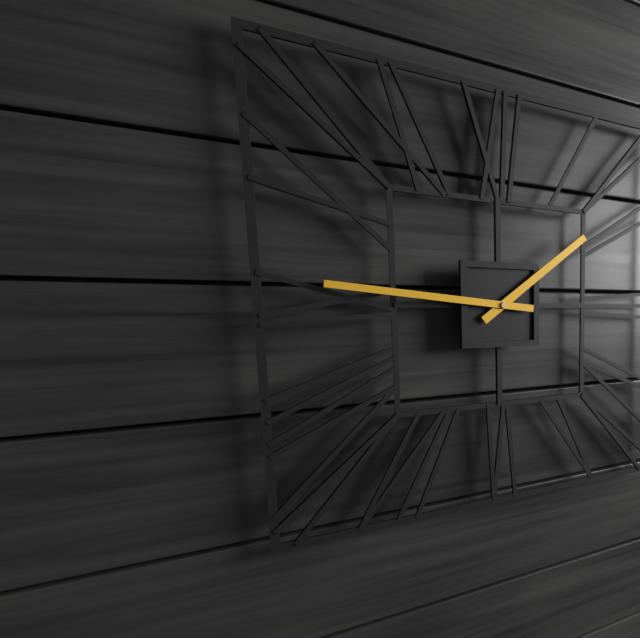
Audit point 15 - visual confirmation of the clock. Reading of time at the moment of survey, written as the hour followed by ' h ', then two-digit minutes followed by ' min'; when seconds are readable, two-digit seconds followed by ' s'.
1 h 46 min
